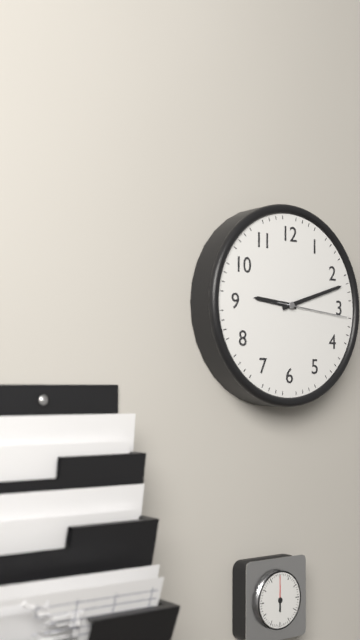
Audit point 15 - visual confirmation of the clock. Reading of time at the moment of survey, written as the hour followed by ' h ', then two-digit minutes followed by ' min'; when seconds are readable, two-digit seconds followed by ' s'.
9 h 12 min 16 s
